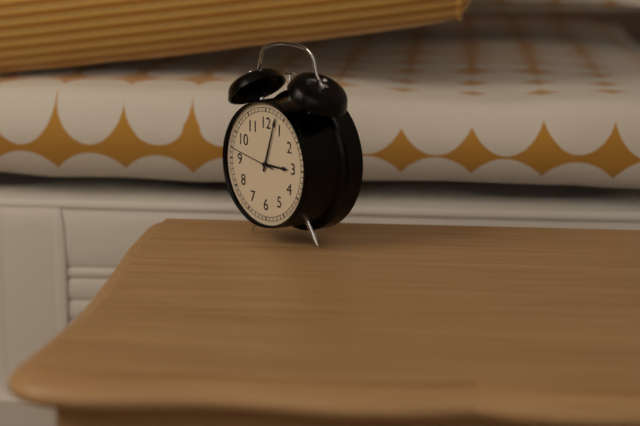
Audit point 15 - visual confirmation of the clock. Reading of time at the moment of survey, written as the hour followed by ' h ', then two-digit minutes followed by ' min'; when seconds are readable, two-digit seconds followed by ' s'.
3 h 03 min 47 s
